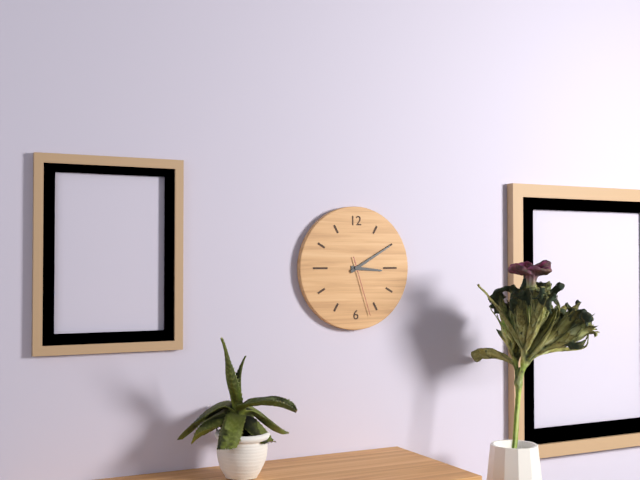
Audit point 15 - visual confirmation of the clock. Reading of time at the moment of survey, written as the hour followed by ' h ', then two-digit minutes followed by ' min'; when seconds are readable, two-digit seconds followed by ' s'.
3 h 10 min 27 s
